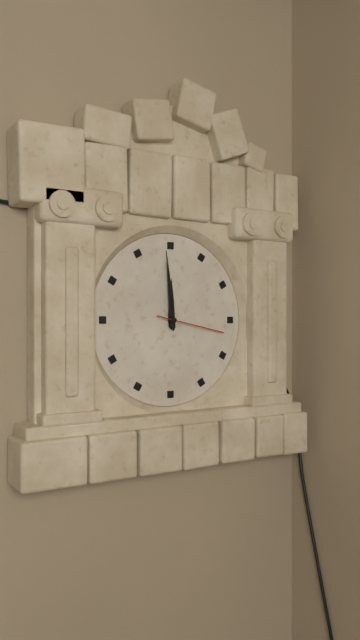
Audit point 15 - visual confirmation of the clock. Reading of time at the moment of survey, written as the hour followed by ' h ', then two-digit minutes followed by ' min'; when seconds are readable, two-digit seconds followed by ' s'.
11 h 59 min 17 s
